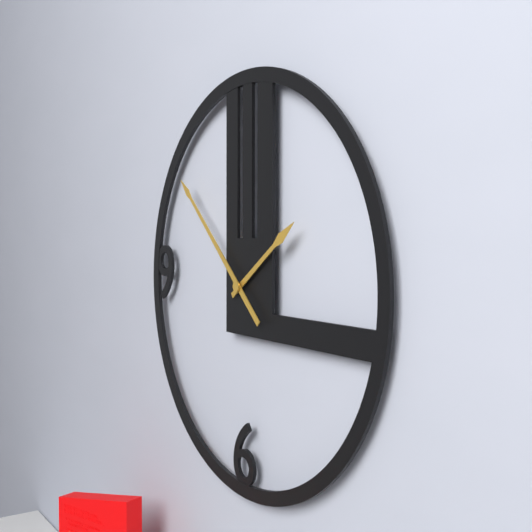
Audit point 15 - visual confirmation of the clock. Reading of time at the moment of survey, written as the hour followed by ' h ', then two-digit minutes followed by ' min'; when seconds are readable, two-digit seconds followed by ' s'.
1 h 52 min
